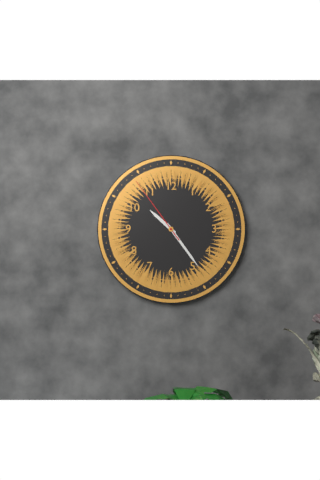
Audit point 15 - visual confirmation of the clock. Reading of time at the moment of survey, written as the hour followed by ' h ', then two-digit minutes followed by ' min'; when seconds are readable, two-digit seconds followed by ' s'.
10 h 24 min 54 s
